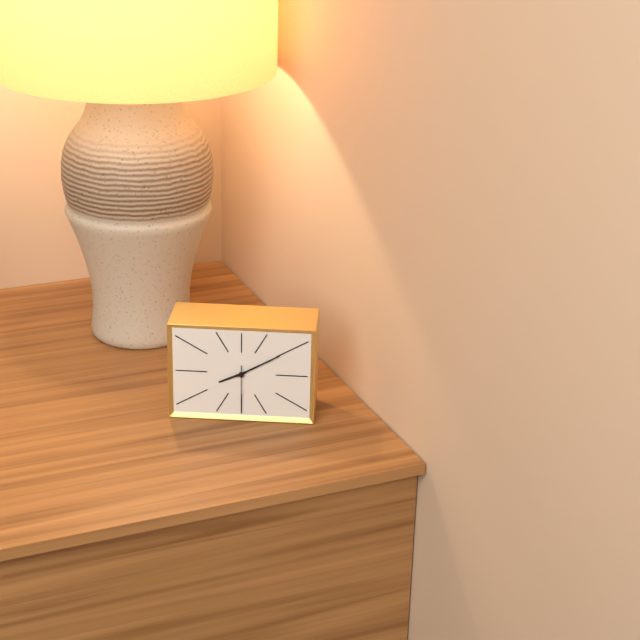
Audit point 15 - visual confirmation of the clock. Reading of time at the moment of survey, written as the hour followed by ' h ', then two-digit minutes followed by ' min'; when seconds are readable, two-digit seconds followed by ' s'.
8 h 10 min
